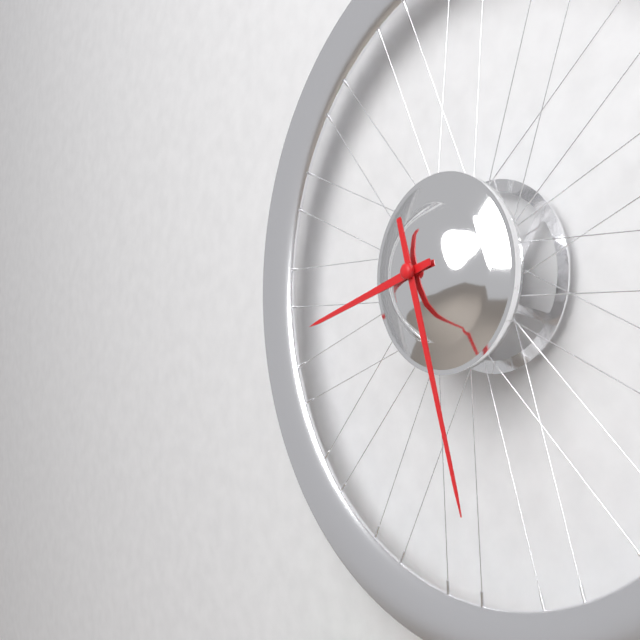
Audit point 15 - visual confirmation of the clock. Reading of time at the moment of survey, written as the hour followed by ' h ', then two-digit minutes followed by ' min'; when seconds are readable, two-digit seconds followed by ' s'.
8 h 27 min
